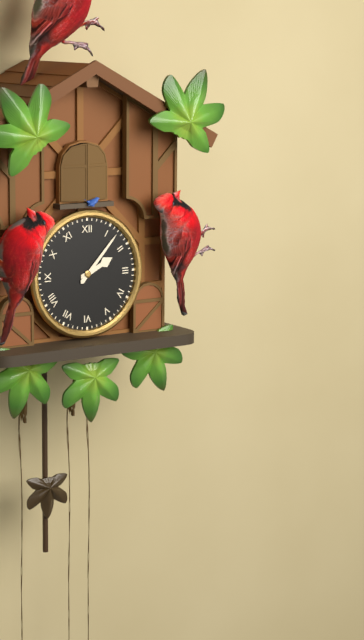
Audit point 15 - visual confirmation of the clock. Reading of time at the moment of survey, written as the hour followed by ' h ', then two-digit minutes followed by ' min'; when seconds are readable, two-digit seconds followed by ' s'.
2 h 07 min
